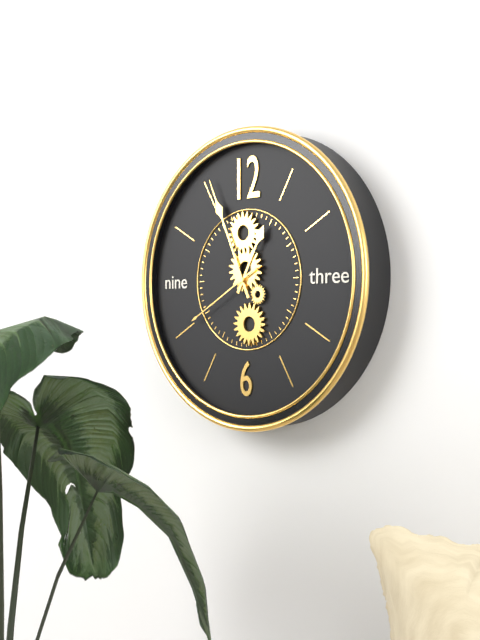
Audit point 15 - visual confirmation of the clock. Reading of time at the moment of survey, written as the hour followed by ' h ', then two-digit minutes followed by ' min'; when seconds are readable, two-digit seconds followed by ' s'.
12 h 56 min 40 s
